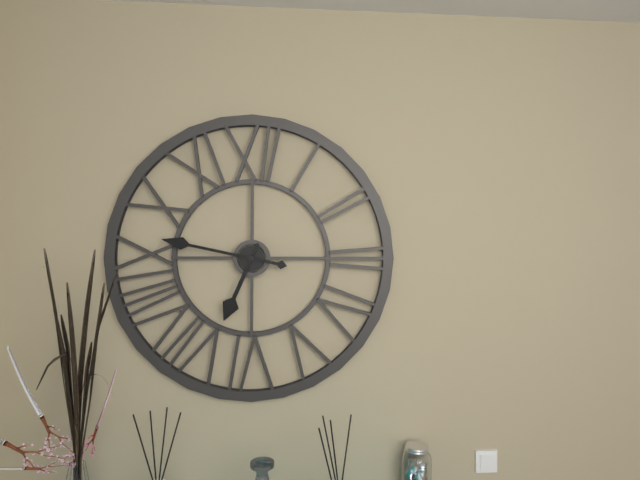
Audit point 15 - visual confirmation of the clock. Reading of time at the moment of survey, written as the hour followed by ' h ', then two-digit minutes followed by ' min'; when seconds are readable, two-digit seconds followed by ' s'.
6 h 47 min
